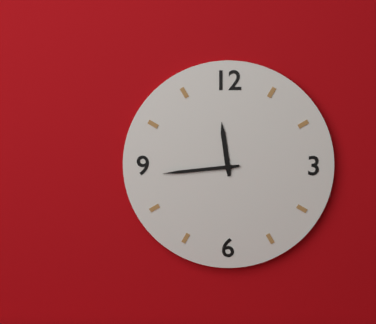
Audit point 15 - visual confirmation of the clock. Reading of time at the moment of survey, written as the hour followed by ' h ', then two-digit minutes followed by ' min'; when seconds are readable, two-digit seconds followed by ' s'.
11 h 44 min
